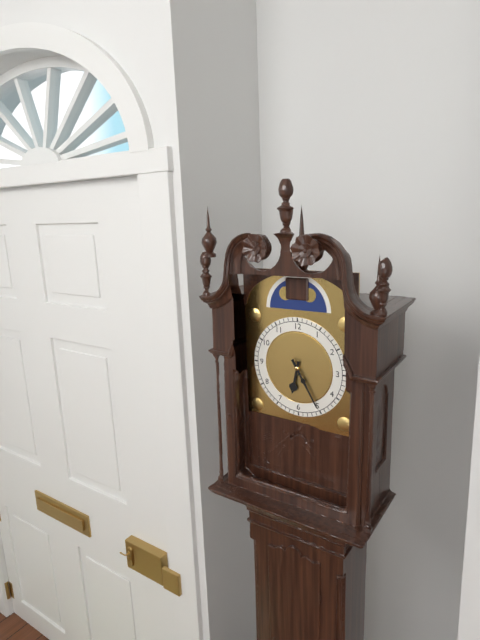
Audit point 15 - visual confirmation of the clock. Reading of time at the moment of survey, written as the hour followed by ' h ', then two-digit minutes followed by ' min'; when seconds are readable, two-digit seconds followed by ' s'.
6 h 25 min
